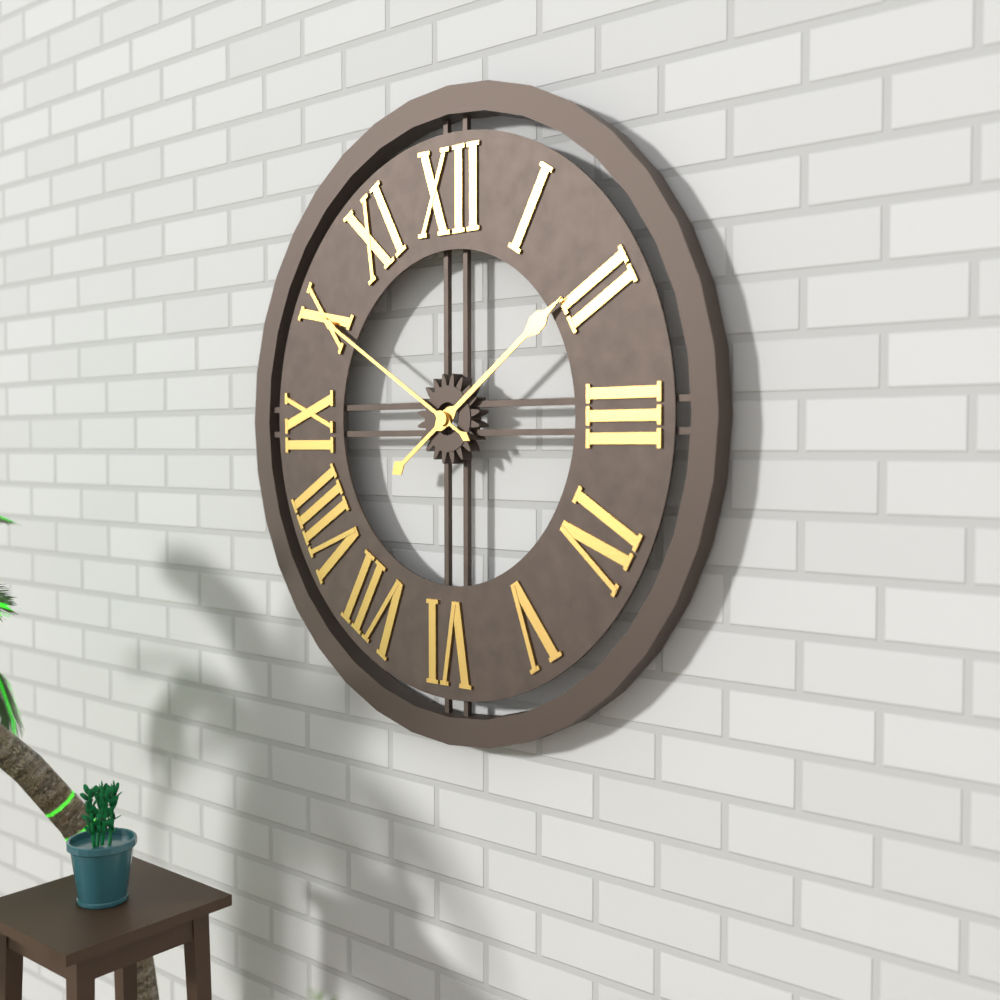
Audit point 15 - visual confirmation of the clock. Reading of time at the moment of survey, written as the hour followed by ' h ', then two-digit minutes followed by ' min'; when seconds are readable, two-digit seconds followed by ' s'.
1 h 50 min
